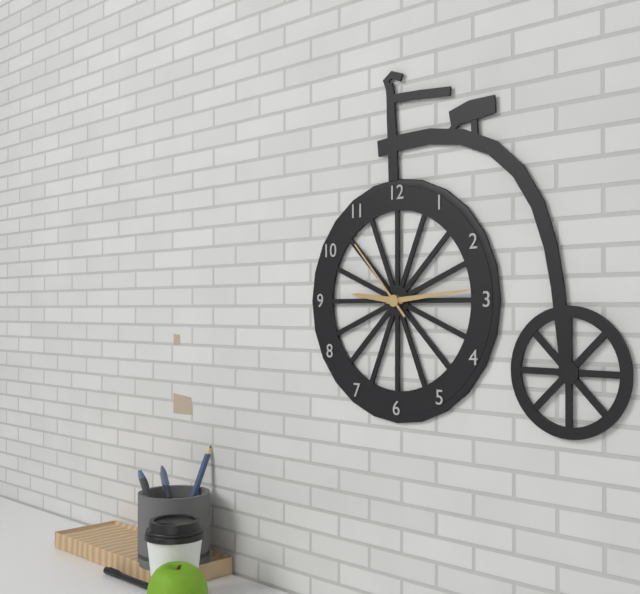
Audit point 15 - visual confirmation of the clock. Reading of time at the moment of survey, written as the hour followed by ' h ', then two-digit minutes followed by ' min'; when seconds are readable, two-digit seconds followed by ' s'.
9 h 14 min 53 s
